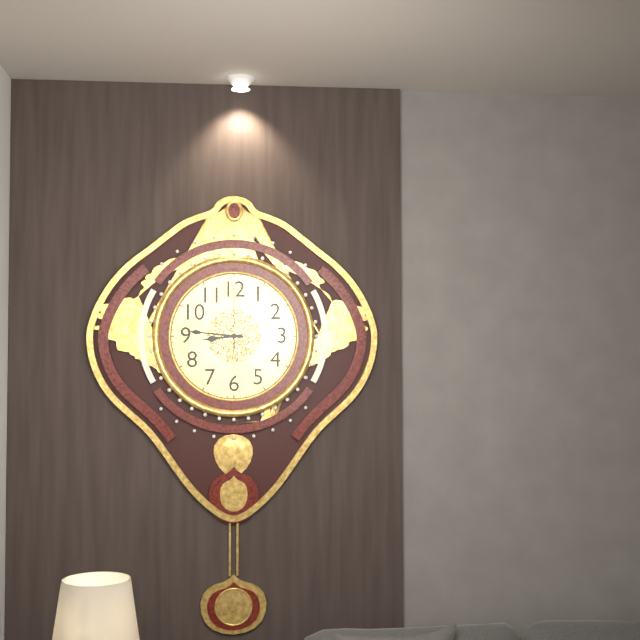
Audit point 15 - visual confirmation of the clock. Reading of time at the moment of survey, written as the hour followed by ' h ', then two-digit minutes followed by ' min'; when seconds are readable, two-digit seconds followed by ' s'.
8 h 46 min 00 s
